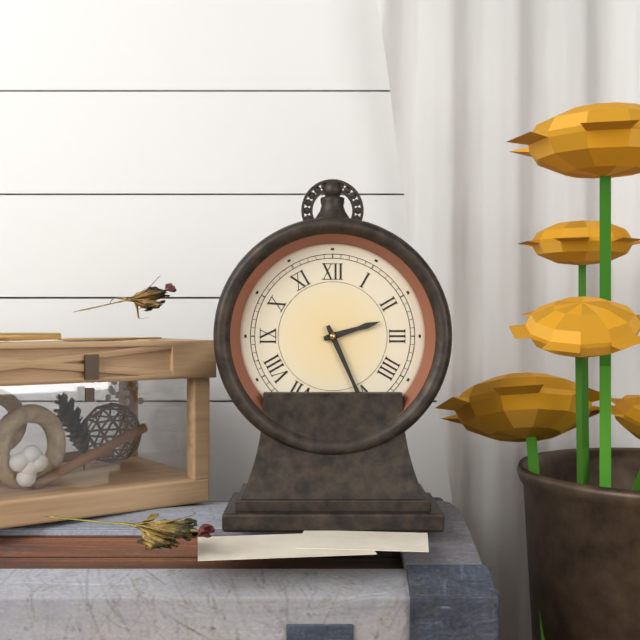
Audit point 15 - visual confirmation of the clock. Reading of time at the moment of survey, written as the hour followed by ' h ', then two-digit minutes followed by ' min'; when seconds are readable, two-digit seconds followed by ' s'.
2 h 26 min
